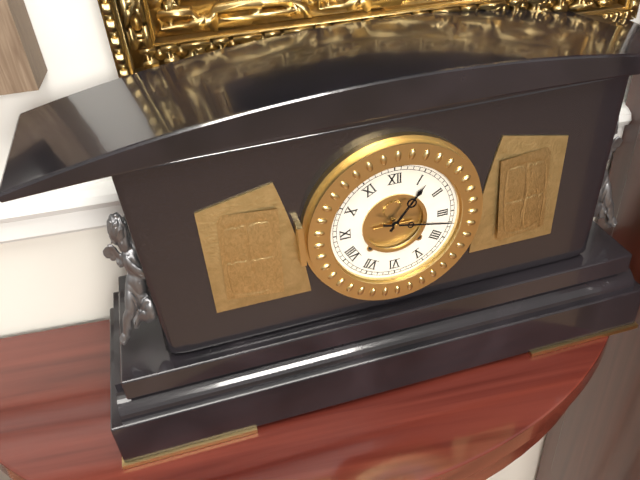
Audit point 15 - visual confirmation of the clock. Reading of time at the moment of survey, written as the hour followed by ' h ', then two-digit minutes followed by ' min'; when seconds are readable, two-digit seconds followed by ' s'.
1 h 17 min
